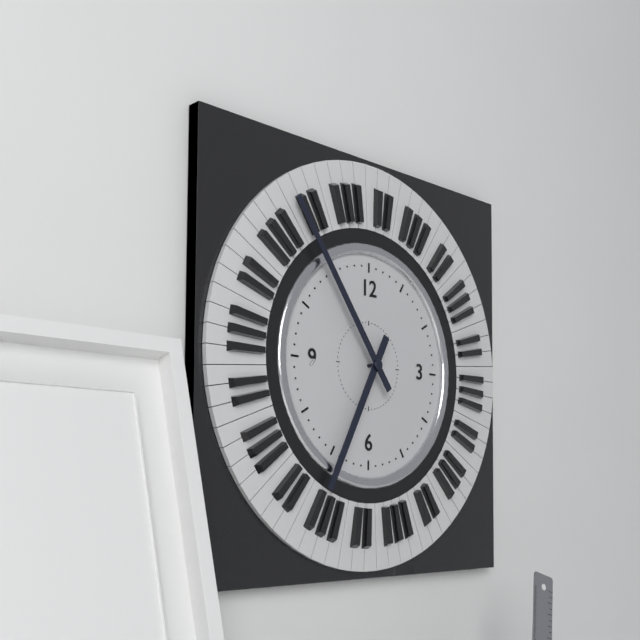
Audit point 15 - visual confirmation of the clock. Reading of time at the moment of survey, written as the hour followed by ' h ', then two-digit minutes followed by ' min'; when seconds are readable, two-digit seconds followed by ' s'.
6 h 54 min
